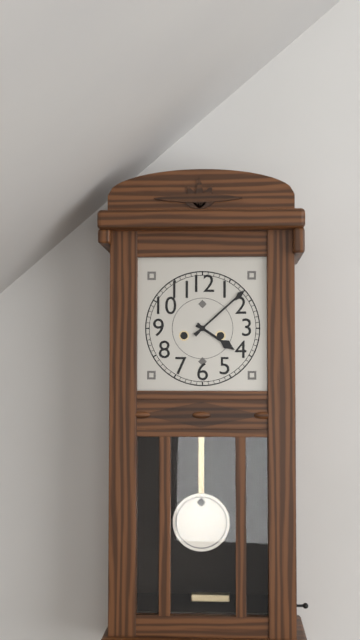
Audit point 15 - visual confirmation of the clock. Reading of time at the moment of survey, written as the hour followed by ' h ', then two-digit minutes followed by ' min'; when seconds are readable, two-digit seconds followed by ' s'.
4 h 08 min
